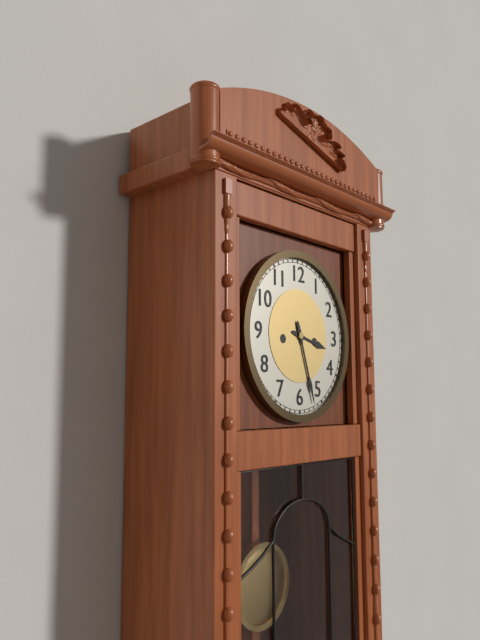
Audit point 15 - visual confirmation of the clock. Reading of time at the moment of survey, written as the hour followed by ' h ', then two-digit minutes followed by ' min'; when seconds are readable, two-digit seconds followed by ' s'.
3 h 27 min
